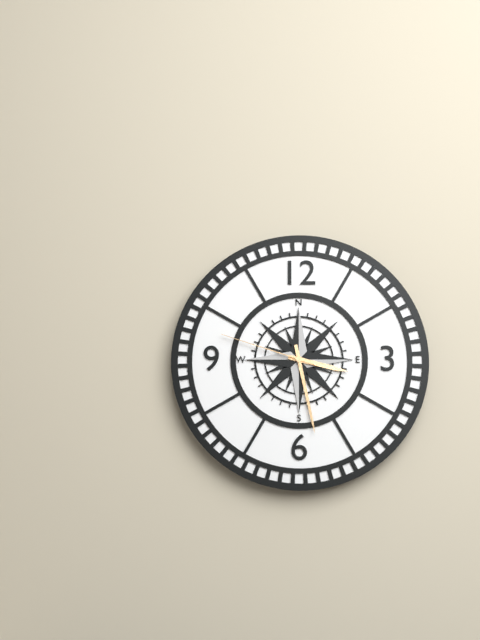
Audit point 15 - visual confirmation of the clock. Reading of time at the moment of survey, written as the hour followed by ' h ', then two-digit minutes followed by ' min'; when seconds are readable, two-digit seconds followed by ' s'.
3 h 28 min 48 s
